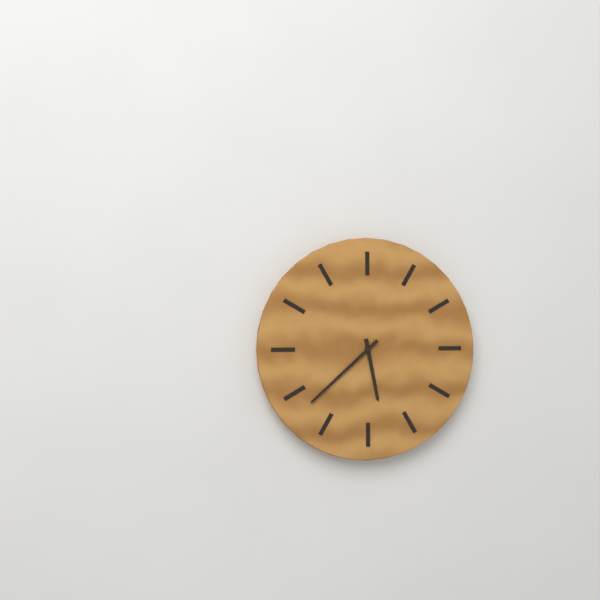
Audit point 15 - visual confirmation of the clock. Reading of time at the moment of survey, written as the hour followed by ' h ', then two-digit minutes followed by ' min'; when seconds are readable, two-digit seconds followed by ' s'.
5 h 38 min
